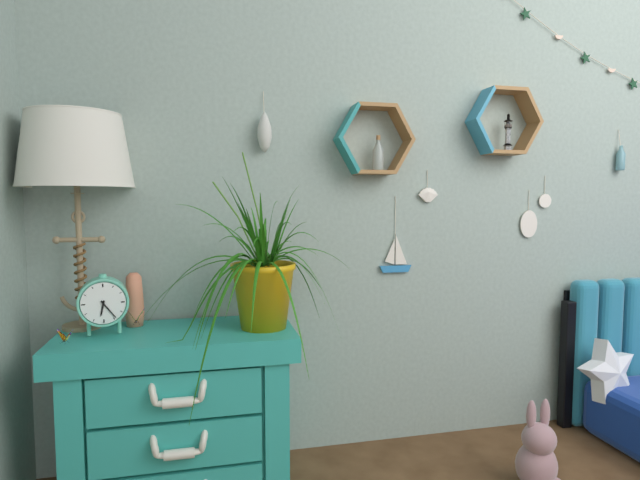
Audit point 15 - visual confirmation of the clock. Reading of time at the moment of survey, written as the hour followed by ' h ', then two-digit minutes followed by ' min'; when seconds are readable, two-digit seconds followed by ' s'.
6 h 24 min
